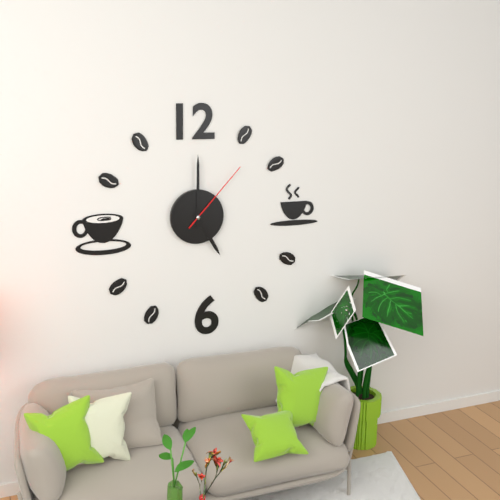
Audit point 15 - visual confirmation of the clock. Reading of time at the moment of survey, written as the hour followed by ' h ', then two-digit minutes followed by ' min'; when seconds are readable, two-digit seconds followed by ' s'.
5 h 00 min 07 s
